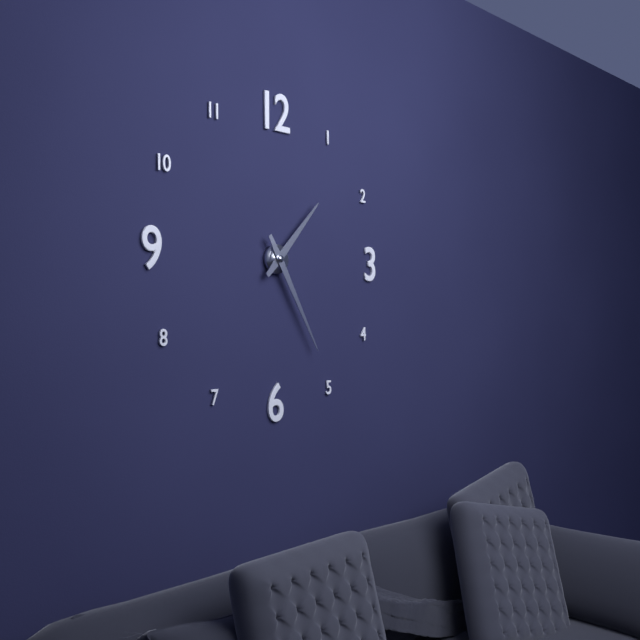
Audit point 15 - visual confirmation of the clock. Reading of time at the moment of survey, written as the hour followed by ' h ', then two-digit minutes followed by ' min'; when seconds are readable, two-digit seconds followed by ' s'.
1 h 25 min
